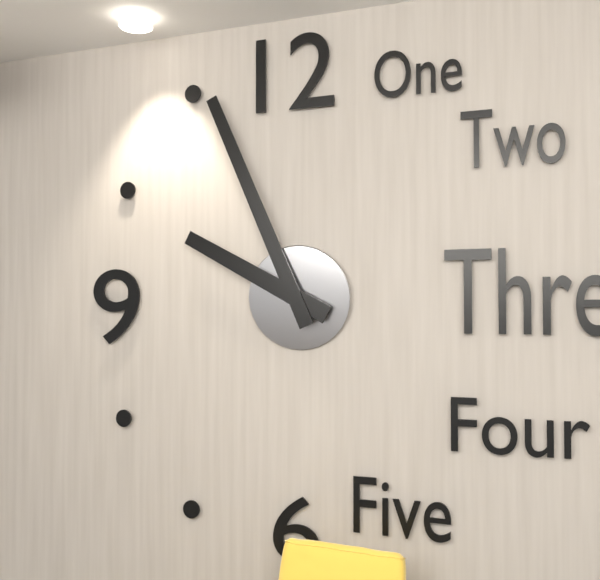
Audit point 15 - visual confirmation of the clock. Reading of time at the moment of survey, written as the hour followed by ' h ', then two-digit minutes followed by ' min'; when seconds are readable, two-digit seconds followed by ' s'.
9 h 56 min
